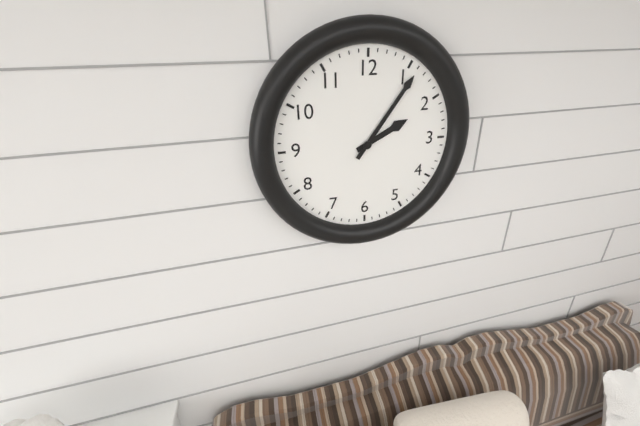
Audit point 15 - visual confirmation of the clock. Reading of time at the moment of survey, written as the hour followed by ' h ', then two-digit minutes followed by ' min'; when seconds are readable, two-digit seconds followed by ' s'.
2 h 06 min
